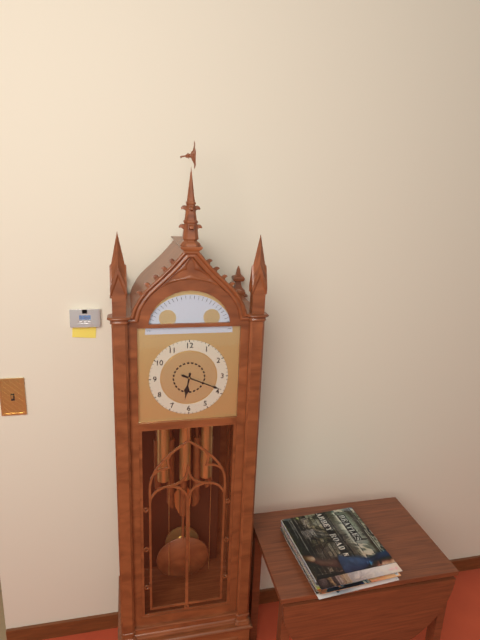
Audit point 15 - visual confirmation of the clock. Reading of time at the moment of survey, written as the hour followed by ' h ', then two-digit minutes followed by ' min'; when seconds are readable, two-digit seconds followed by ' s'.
6 h 19 min
